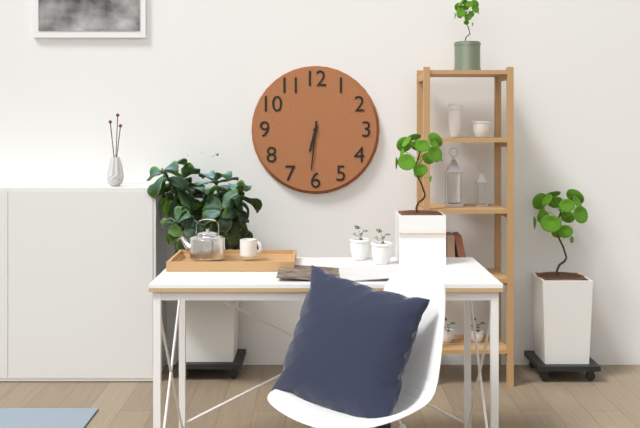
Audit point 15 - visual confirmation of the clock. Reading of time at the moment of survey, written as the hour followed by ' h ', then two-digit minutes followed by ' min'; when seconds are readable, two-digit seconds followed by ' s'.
6 h 31 min
